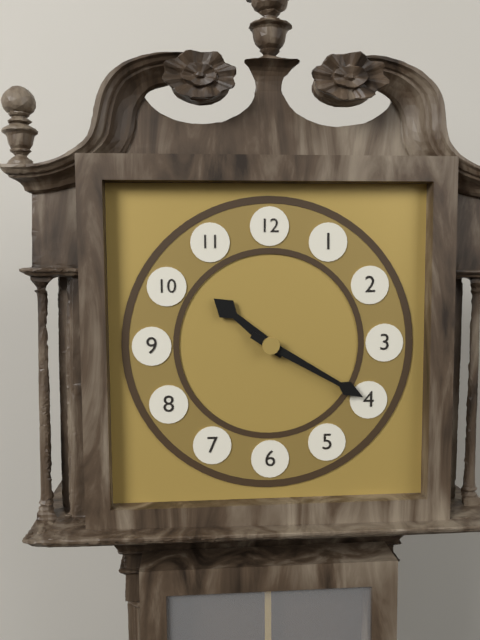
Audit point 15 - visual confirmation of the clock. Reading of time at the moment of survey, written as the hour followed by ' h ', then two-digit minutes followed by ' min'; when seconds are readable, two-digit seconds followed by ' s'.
10 h 20 min
